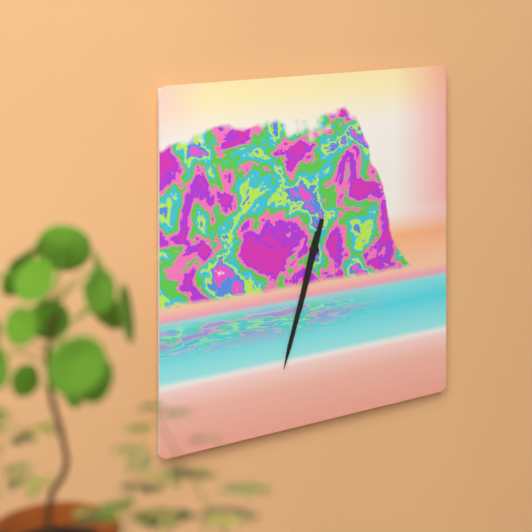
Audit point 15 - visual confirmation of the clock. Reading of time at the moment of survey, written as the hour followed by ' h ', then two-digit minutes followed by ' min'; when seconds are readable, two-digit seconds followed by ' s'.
6 h 33 min
